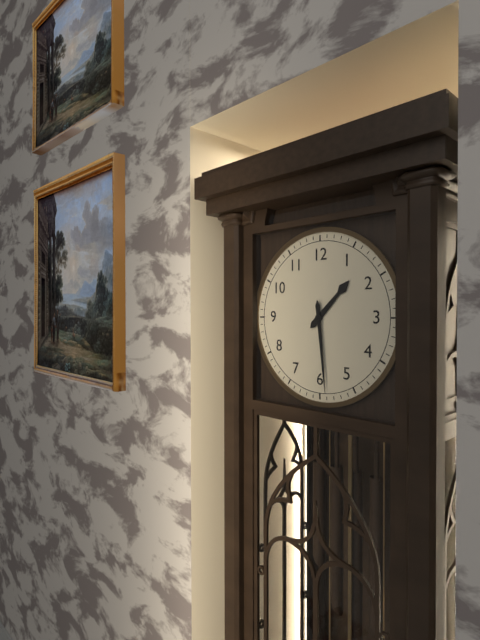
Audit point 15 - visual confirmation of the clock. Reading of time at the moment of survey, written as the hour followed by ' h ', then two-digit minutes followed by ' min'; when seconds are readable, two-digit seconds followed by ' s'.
1 h 29 min
